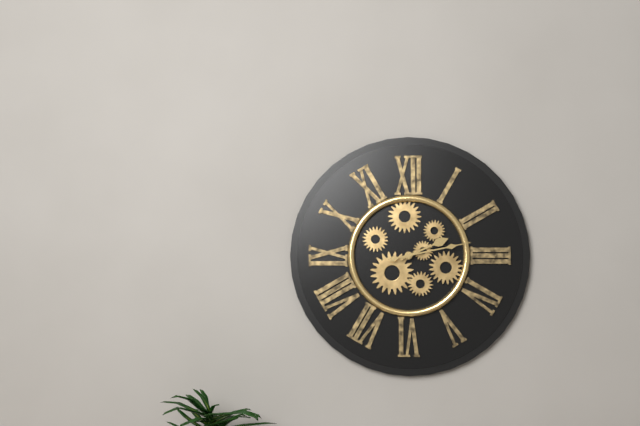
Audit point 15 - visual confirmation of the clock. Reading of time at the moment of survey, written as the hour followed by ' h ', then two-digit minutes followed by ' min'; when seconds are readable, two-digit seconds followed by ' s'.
2 h 13 min
